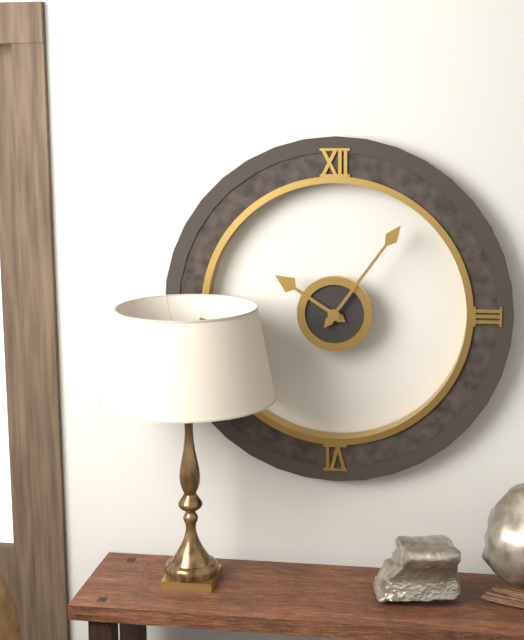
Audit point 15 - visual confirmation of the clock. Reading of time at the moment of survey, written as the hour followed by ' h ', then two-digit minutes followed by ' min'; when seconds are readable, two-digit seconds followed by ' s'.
10 h 06 min
